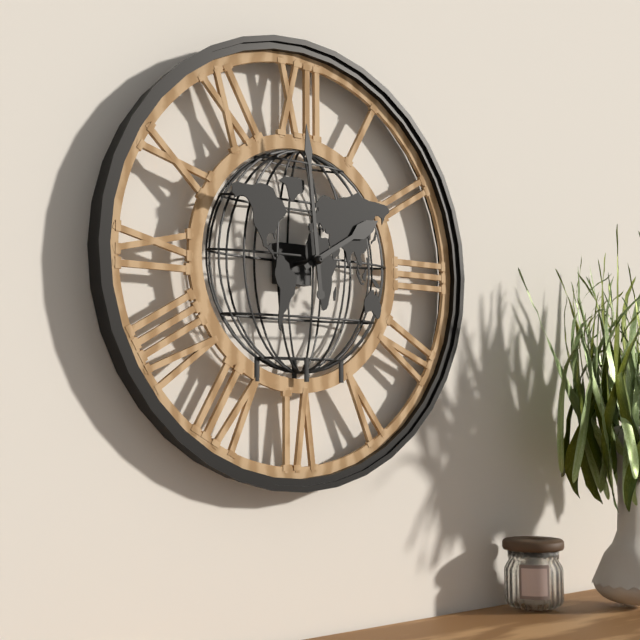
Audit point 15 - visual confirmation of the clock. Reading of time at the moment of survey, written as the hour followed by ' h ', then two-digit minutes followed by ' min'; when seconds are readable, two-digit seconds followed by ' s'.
1 h 59 min
